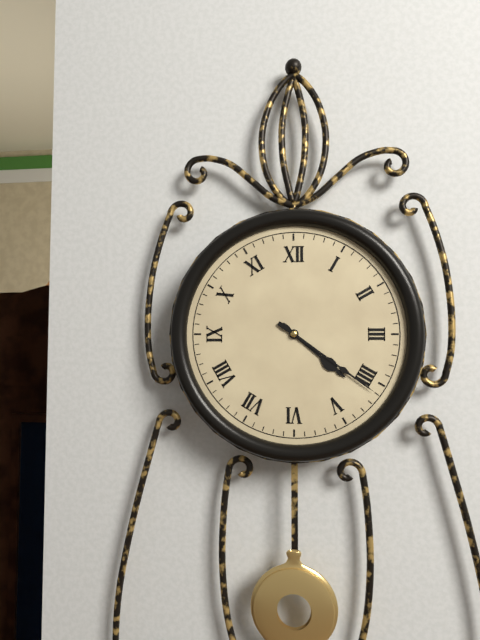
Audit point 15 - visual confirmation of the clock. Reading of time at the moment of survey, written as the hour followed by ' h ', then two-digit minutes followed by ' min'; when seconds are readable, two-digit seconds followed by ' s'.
4 h 21 min
